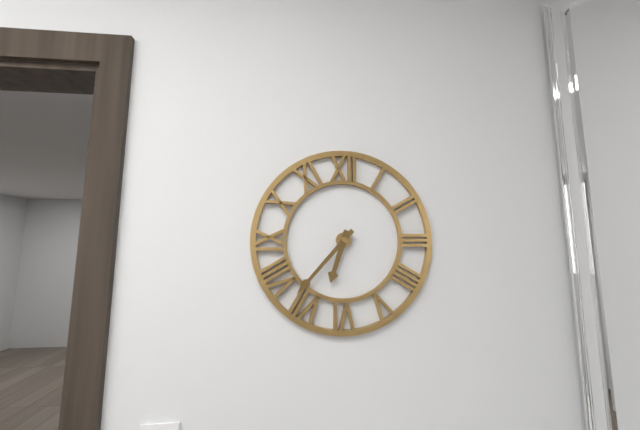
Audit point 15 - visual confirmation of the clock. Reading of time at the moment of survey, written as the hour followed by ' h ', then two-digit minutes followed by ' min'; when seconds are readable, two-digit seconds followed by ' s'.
6 h 37 min
